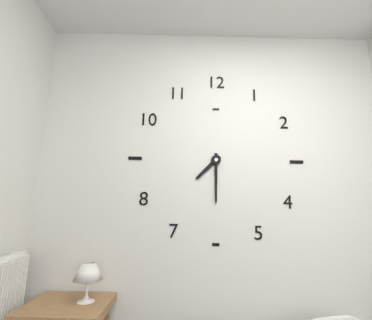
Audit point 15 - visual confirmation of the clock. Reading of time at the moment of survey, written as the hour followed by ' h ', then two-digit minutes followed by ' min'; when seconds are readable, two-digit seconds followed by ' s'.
7 h 30 min
